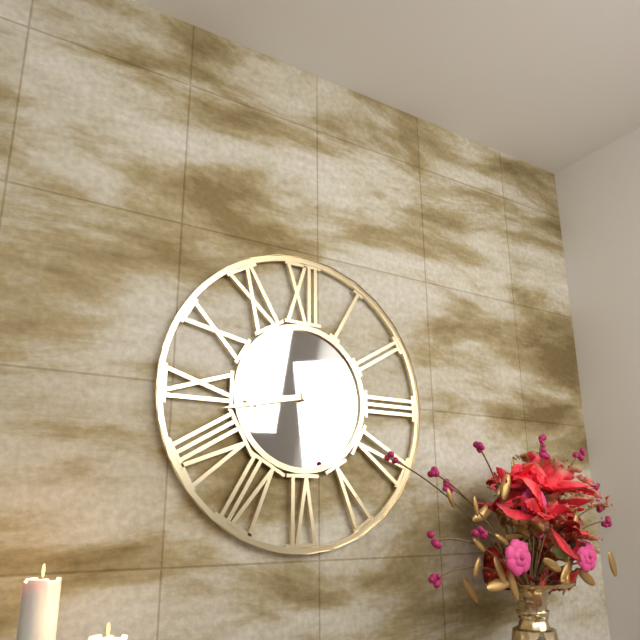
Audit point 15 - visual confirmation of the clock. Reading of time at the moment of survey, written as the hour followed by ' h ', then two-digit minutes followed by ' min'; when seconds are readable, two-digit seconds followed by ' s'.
8 h 43 min
